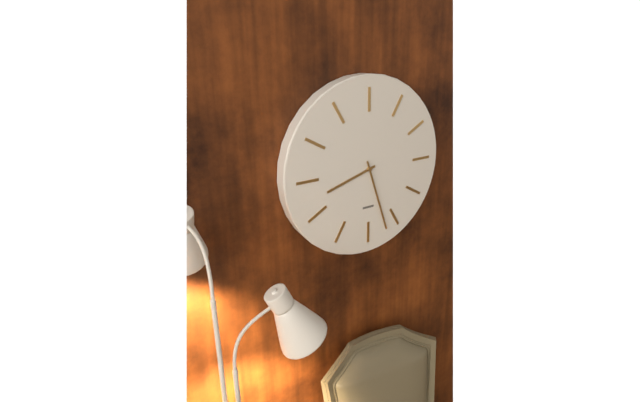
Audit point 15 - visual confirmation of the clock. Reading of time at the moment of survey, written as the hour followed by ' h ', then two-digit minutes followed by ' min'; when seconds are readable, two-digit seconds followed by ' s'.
8 h 27 min
